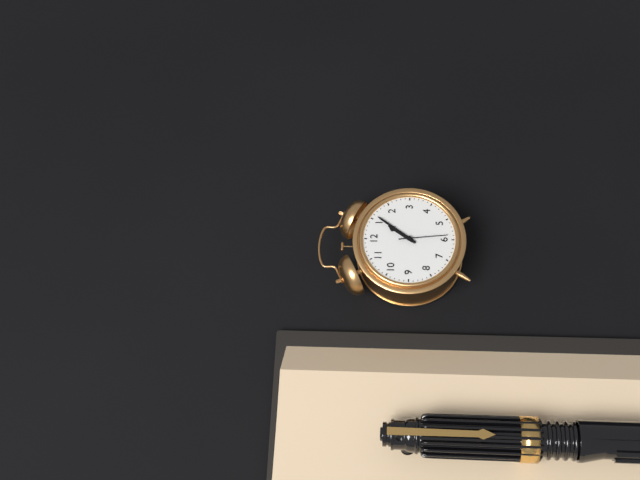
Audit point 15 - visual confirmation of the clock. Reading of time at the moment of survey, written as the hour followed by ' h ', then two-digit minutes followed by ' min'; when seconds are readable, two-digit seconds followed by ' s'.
1 h 06 min
